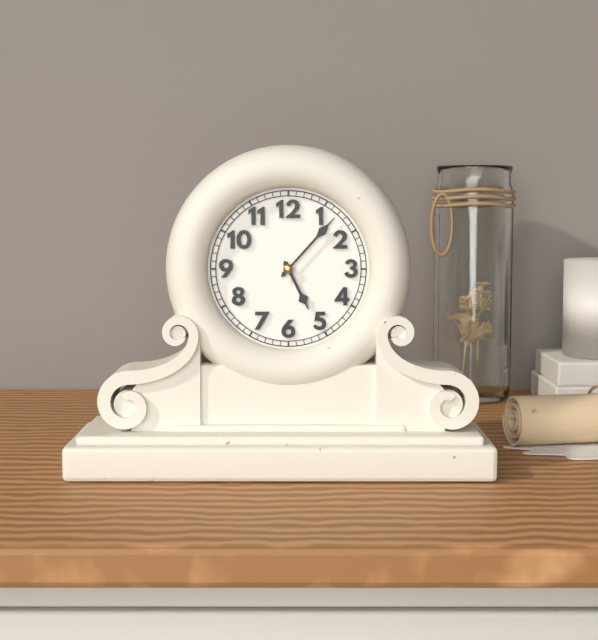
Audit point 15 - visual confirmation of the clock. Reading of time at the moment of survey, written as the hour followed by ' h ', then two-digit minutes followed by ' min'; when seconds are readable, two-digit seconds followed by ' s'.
5 h 07 min
